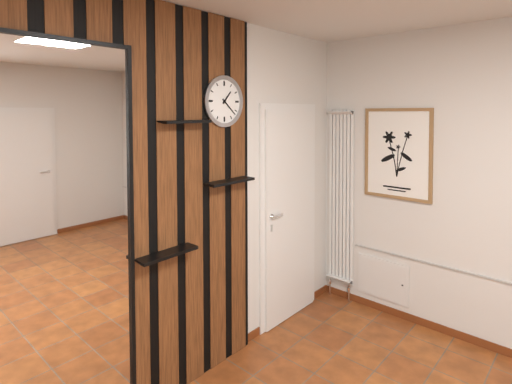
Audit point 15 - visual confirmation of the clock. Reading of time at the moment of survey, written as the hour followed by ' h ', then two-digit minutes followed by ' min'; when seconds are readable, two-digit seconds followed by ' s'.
1 h 22 min
